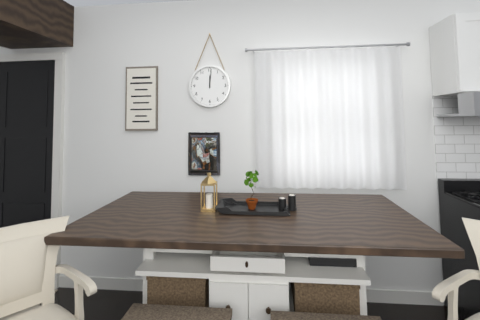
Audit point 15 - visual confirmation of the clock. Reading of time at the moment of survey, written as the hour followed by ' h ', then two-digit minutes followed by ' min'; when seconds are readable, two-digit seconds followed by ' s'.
12 h 01 min
